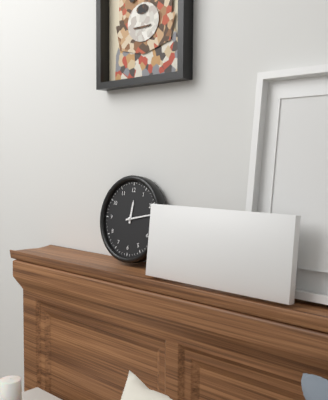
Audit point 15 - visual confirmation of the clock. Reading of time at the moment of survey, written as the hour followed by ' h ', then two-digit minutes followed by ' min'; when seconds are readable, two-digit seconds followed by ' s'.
12 h 13 min
